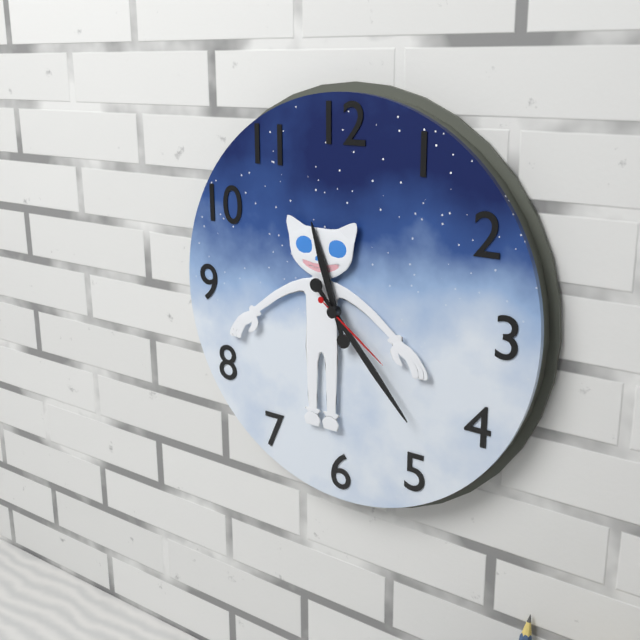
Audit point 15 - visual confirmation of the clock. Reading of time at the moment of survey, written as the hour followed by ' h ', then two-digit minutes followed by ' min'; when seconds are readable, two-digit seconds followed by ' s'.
11 h 23 min 21 s
